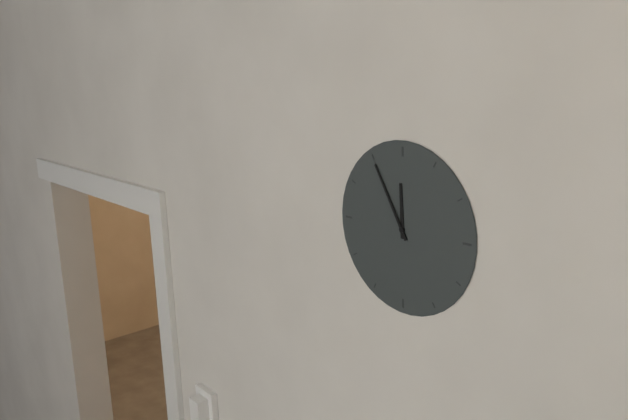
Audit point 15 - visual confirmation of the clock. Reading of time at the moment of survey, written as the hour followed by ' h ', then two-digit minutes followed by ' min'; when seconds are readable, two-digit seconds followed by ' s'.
11 h 55 min
